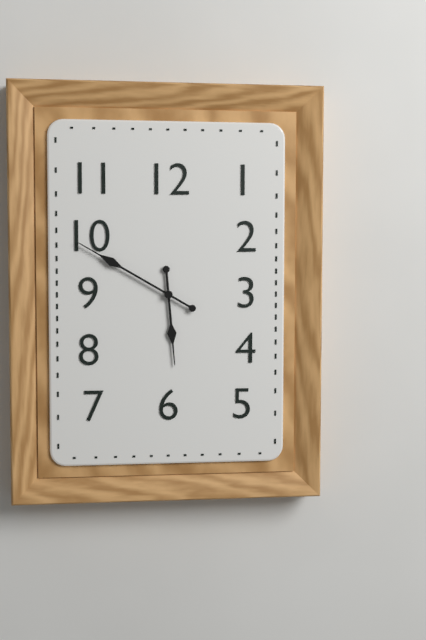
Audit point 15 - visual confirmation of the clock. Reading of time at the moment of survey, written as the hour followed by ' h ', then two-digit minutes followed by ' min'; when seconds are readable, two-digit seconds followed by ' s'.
5 h 50 min
